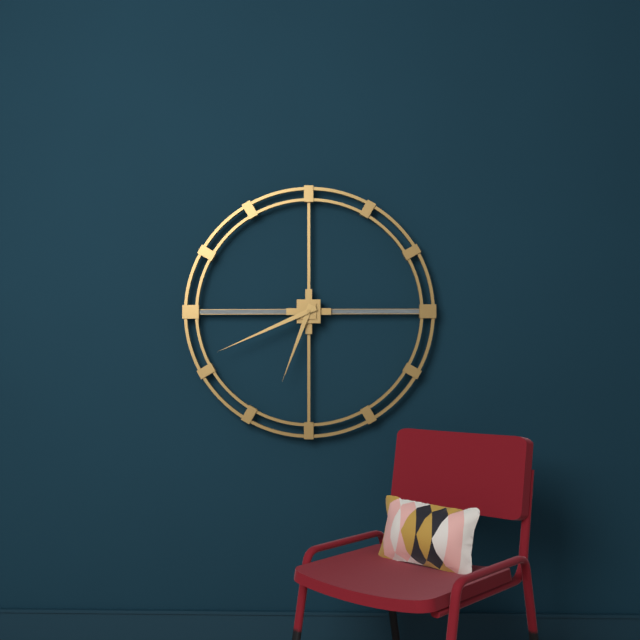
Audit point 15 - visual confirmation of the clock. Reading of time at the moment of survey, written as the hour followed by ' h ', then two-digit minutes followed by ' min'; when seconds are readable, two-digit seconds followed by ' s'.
6 h 41 min
